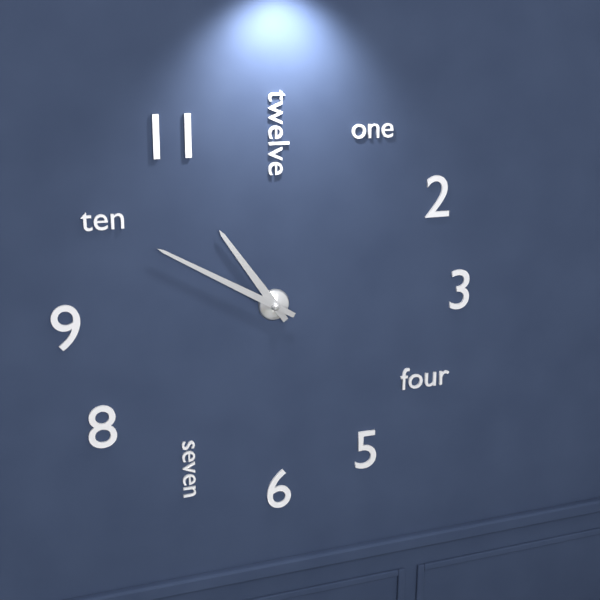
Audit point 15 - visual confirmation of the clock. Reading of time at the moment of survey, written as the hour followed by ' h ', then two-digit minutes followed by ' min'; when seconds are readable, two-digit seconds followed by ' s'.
10 h 50 min
